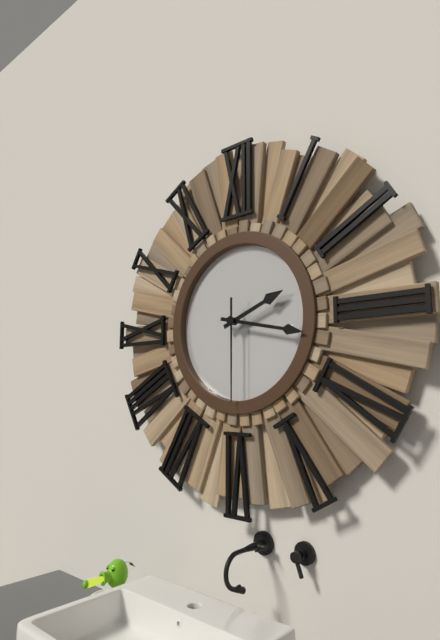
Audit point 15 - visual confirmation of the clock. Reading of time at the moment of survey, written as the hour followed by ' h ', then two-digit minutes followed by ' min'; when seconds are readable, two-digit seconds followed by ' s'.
2 h 17 min 30 s
